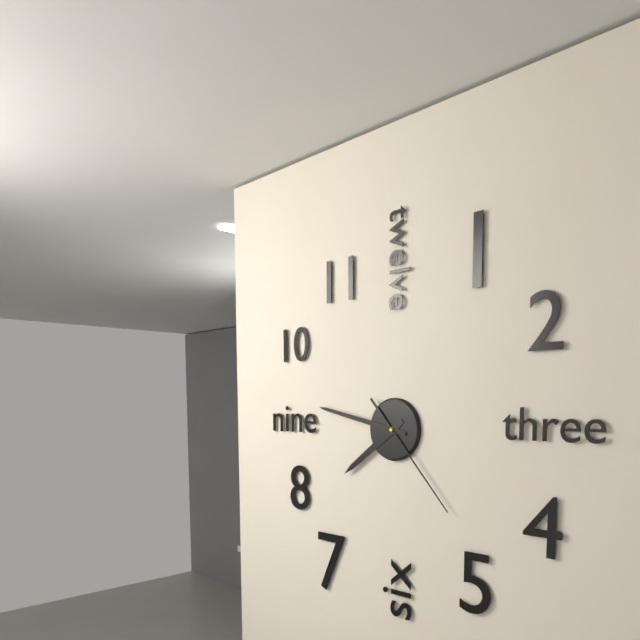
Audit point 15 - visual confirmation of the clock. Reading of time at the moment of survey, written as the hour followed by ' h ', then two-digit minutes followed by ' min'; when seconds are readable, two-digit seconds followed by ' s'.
7 h 47 min 23 s
